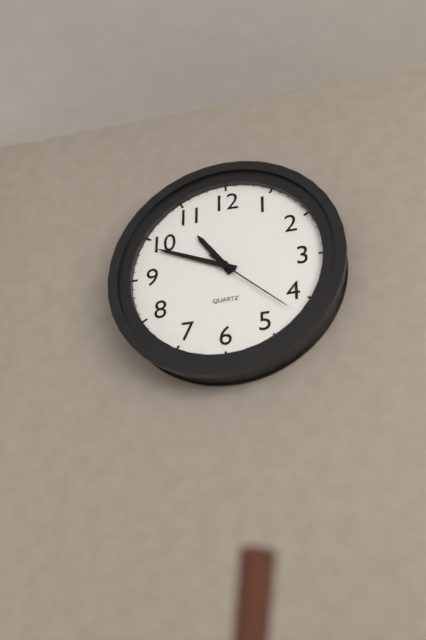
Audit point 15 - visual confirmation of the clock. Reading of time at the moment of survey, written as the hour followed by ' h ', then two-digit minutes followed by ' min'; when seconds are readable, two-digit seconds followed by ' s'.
10 h 49 min 22 s
